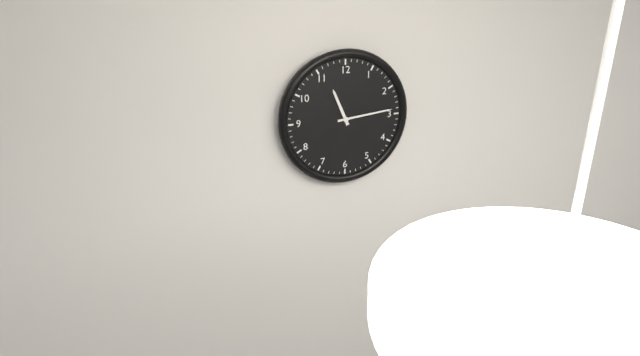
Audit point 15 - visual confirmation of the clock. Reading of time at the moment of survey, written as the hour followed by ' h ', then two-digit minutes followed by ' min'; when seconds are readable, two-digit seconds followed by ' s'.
11 h 14 min
